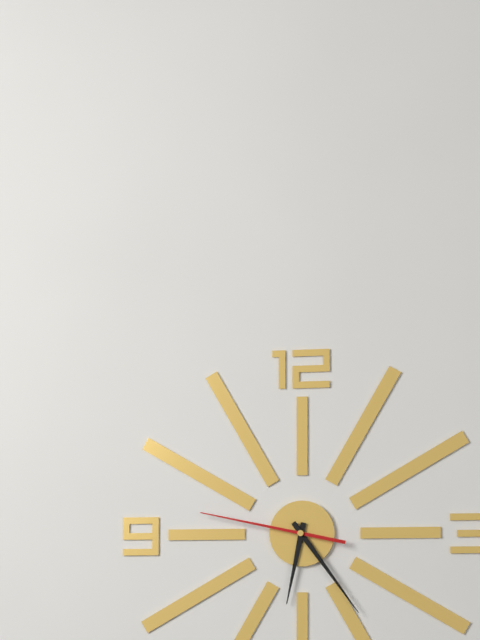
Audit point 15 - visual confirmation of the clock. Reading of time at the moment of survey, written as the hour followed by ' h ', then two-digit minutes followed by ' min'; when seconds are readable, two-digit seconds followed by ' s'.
6 h 24 min 47 s
